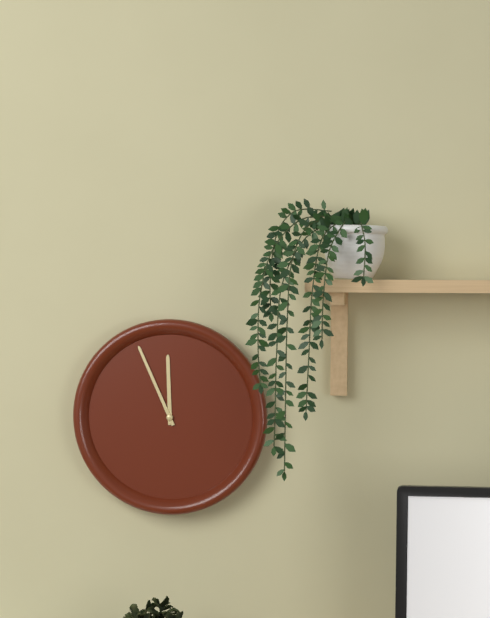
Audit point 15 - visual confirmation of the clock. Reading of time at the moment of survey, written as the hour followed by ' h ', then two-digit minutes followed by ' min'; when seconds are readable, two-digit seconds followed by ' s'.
11 h 56 min
